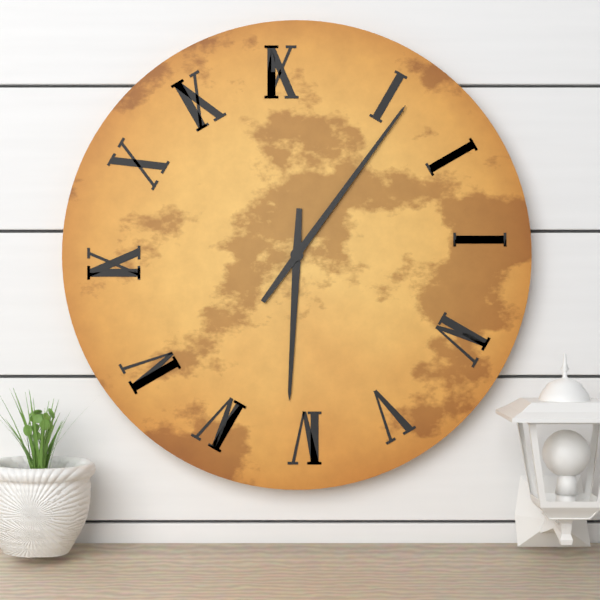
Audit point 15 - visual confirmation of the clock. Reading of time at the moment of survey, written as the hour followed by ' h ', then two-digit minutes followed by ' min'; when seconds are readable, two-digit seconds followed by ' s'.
6 h 06 min
